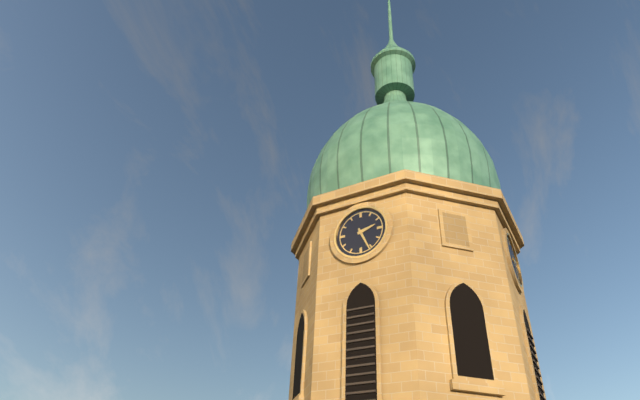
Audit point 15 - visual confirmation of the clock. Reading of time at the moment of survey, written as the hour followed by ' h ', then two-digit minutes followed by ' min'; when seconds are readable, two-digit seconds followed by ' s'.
2 h 26 min
